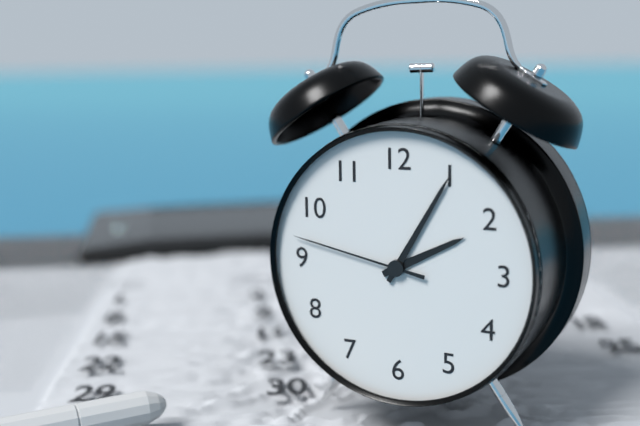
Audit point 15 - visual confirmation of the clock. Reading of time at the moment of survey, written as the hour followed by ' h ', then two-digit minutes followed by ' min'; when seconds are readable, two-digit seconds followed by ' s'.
2 h 05 min 47 s
